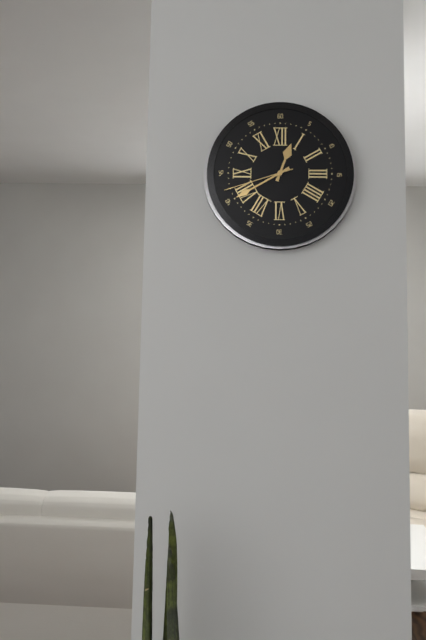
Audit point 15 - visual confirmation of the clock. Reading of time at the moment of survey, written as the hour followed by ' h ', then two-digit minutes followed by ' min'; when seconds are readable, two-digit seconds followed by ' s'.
12 h 40 min 42 s
